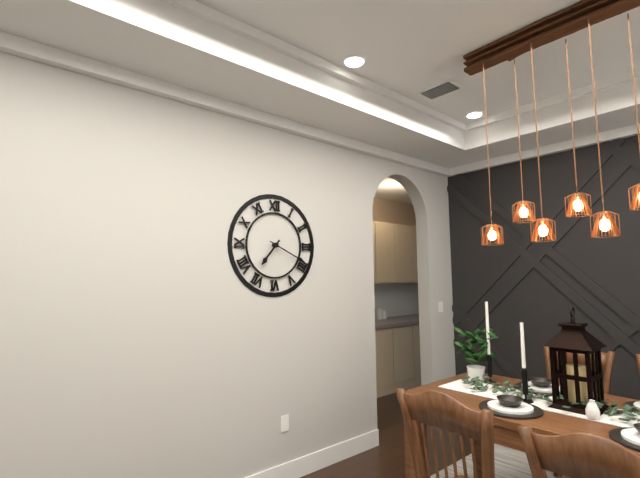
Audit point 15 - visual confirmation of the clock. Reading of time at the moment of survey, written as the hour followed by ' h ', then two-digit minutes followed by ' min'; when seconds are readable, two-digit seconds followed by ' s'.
7 h 19 min
